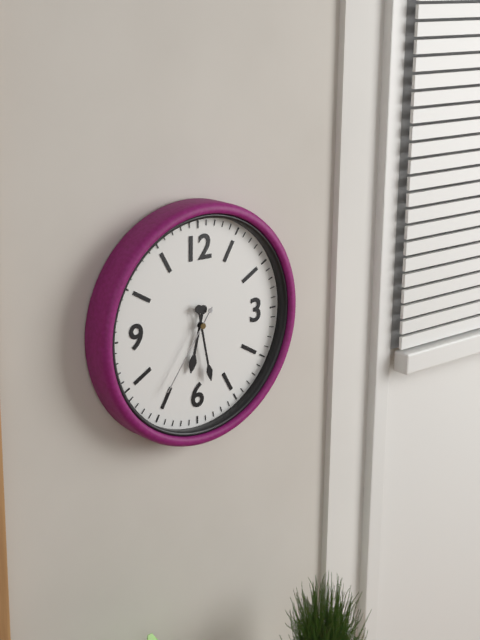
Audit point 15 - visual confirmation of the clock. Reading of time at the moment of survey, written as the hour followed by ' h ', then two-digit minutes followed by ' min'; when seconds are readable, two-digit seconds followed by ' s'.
6 h 28 min 36 s
